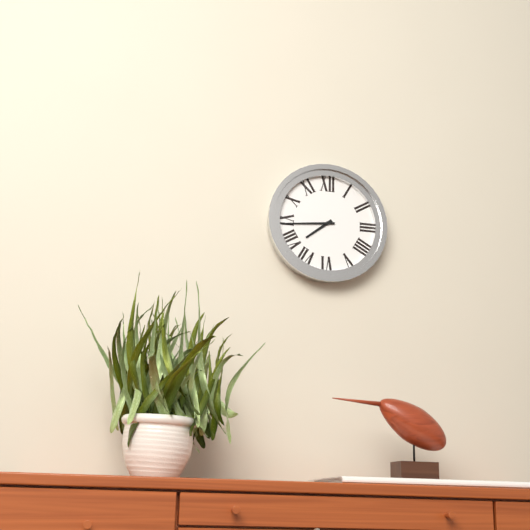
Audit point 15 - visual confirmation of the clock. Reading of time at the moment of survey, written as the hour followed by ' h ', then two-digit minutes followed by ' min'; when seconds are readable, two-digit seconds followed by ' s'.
7 h 44 min
